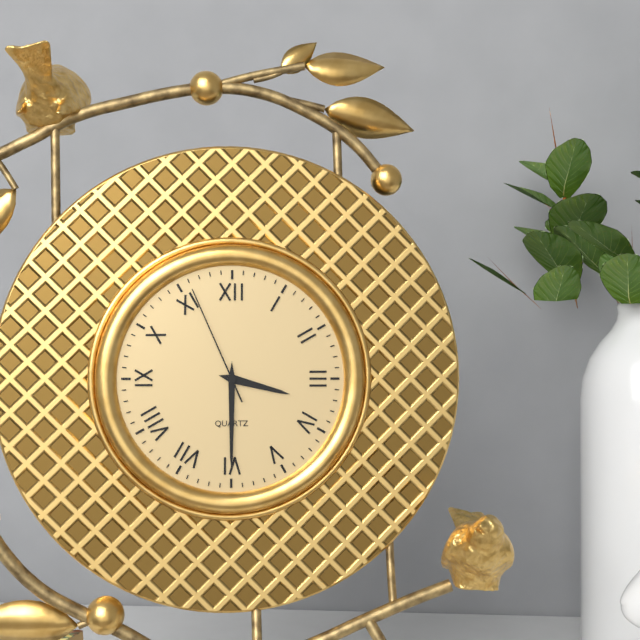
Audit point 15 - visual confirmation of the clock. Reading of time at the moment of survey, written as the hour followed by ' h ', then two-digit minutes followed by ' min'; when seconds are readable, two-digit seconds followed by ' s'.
3 h 30 min 56 s
